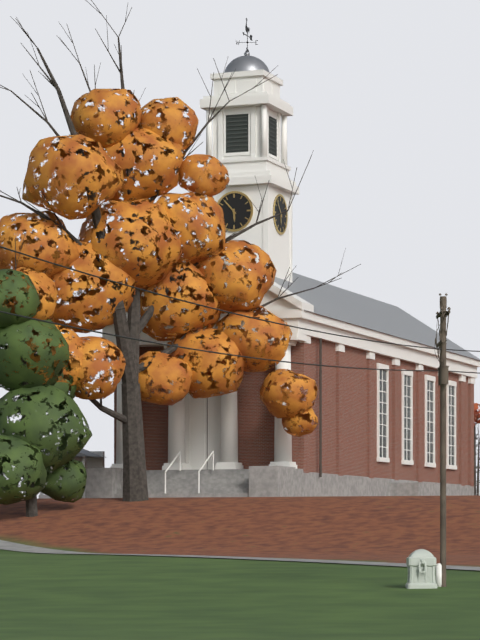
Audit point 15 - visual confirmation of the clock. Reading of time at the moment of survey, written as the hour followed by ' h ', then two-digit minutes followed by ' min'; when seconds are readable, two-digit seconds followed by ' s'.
5 h 53 min
